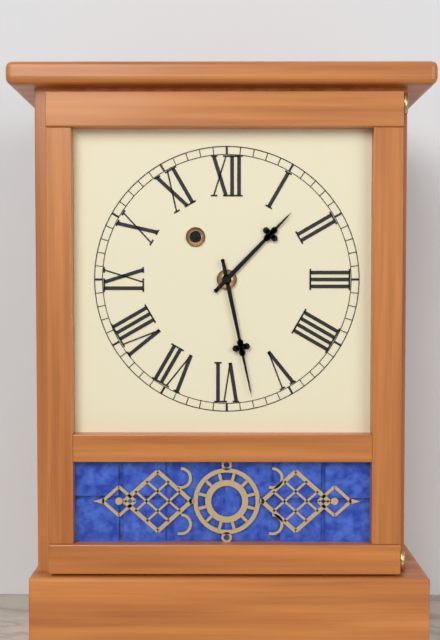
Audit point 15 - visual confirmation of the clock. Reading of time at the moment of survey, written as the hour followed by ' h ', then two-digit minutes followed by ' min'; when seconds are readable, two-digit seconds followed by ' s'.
1 h 28 min
